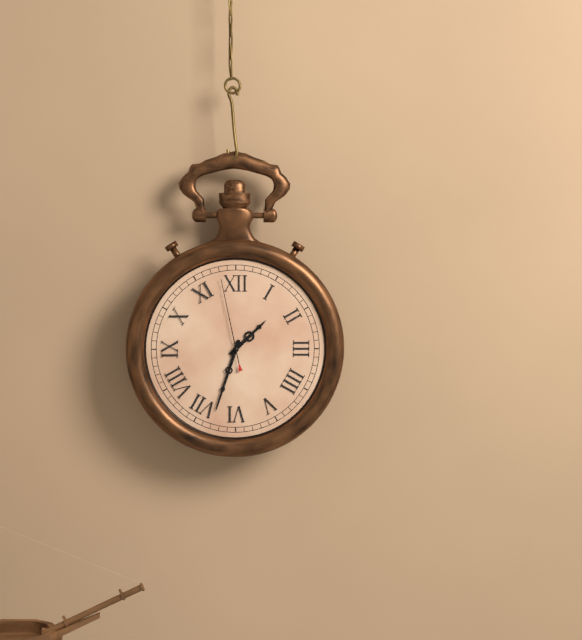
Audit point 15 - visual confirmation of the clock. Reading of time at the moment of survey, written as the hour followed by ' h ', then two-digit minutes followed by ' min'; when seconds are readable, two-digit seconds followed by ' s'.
1 h 33 min 58 s
